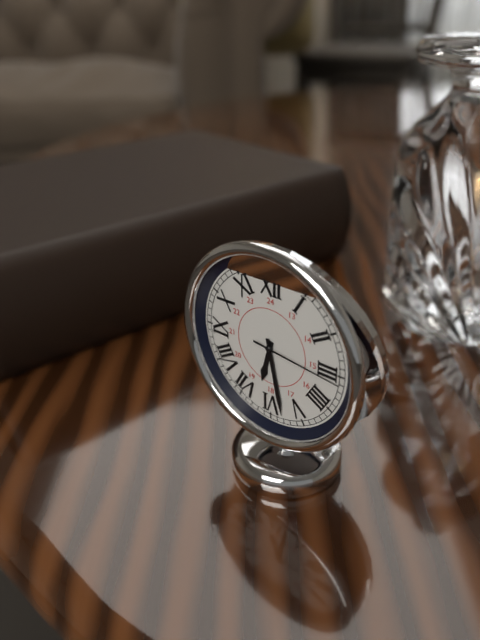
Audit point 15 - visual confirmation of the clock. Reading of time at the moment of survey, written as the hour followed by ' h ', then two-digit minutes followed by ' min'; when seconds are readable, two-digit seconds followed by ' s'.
6 h 28 min 16 s
